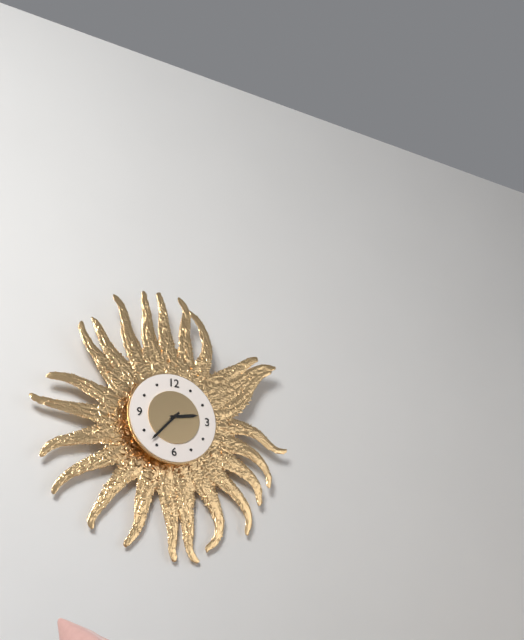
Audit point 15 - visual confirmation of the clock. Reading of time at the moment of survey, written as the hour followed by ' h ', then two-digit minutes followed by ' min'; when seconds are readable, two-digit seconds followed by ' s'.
2 h 37 min
